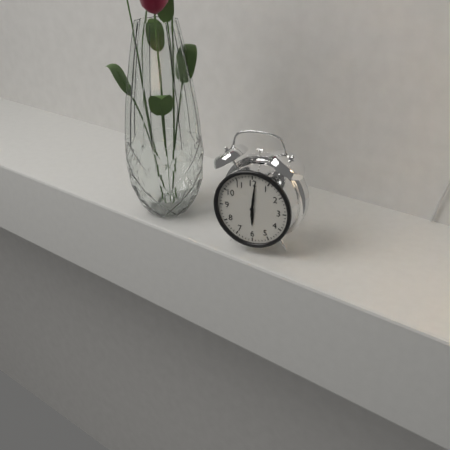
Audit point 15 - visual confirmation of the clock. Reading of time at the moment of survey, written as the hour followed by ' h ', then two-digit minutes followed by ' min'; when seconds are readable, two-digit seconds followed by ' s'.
6 h 01 min
